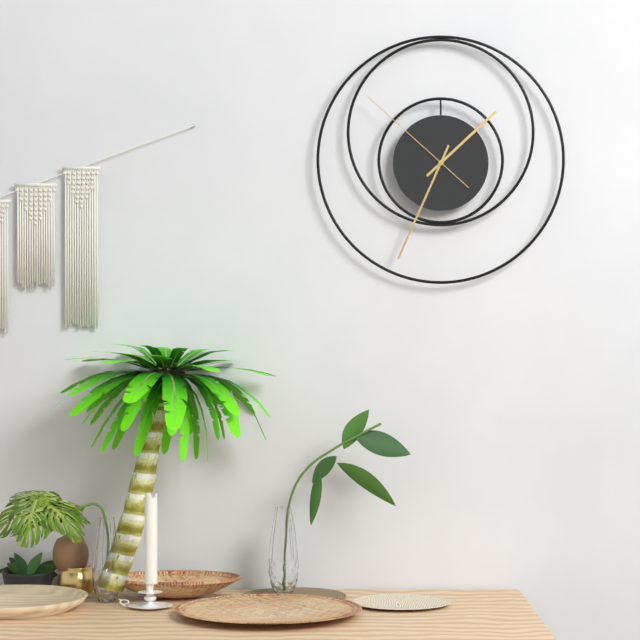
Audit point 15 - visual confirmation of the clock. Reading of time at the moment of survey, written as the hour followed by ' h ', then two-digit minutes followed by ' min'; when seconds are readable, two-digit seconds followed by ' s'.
1 h 34 min 52 s
